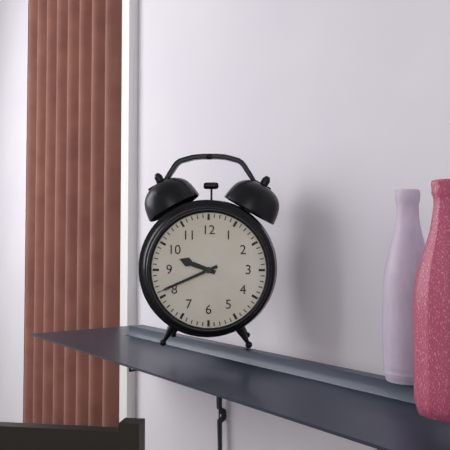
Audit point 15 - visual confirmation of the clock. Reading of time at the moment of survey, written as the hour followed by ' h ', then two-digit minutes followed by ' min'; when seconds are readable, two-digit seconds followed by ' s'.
9 h 41 min
